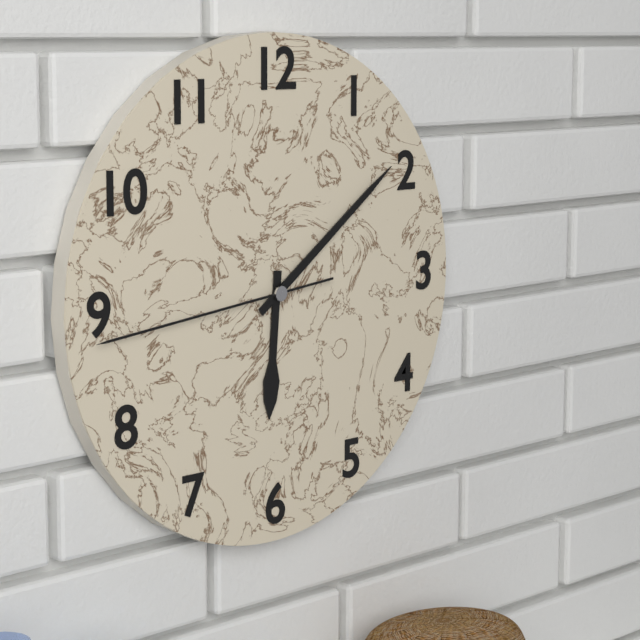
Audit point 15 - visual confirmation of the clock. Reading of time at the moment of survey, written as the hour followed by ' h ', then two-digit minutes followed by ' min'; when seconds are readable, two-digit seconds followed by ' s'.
6 h 09 min 44 s
